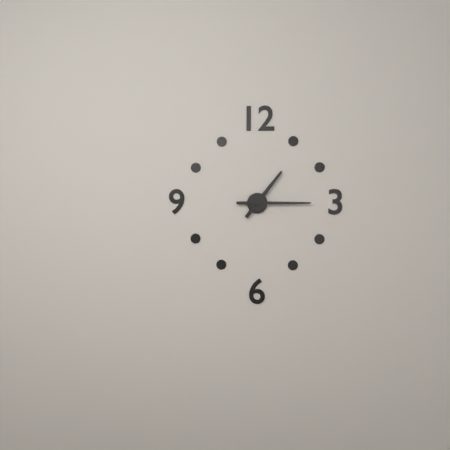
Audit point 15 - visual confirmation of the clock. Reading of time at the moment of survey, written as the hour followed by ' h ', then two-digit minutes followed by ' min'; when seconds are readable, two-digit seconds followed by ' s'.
1 h 15 min
